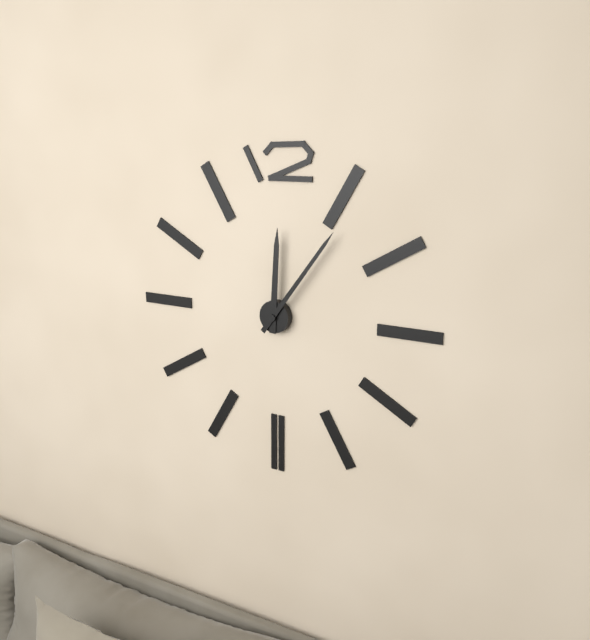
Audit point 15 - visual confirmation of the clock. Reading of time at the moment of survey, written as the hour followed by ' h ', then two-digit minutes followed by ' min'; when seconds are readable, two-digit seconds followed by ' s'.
12 h 06 min
